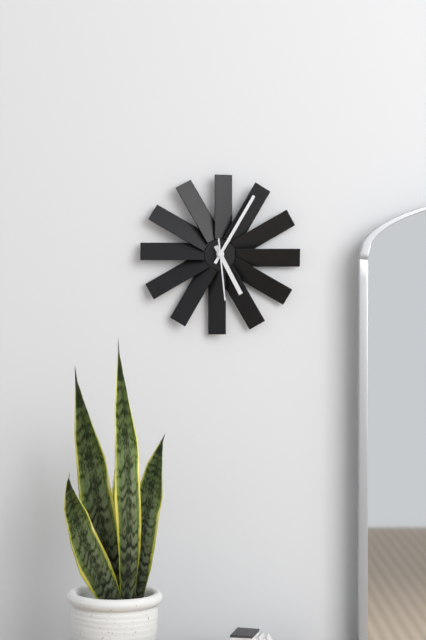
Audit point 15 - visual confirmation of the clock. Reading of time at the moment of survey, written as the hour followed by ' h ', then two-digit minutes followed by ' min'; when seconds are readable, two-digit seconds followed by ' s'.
5 h 05 min 29 s
